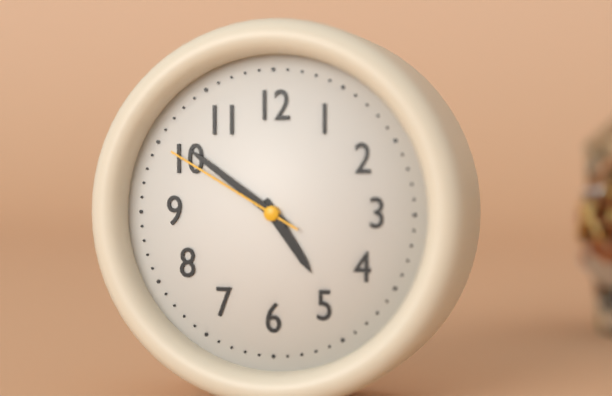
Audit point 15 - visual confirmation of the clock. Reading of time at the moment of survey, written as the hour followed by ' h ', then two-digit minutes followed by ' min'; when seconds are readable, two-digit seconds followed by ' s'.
4 h 51 min 50 s
